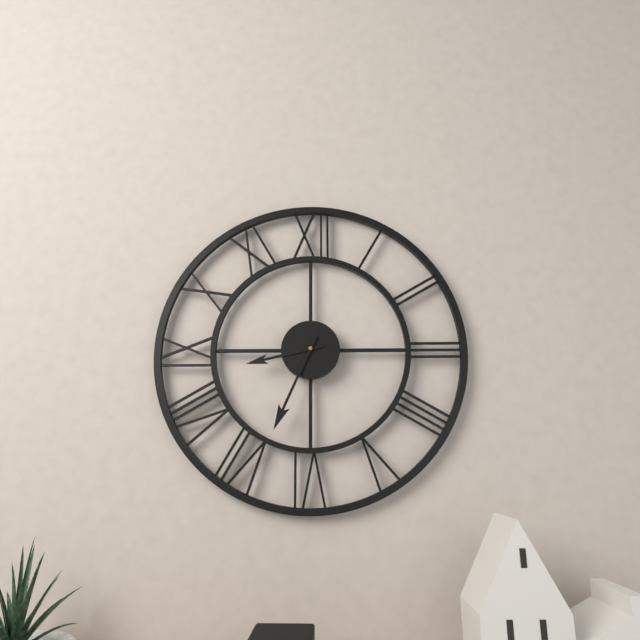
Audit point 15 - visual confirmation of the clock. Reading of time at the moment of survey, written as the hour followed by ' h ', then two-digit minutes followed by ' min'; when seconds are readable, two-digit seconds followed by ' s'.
8 h 34 min
